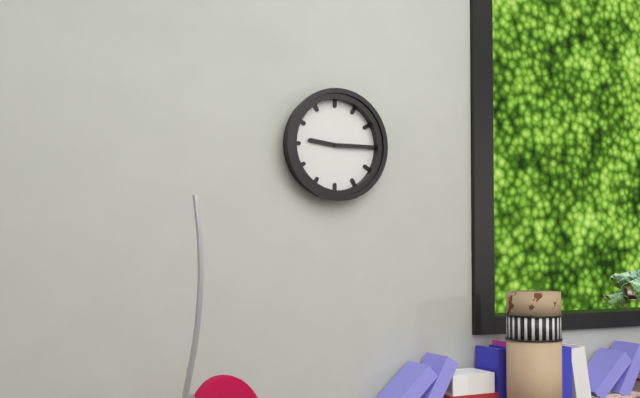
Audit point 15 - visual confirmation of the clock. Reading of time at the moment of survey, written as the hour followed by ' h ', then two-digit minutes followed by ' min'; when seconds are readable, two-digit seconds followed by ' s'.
9 h 15 min
